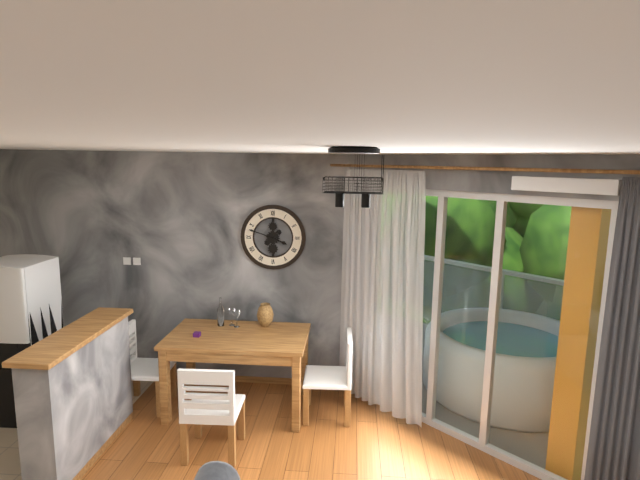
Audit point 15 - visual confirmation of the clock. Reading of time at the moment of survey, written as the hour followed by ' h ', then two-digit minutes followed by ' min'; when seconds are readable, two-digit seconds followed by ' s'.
3 h 48 min
